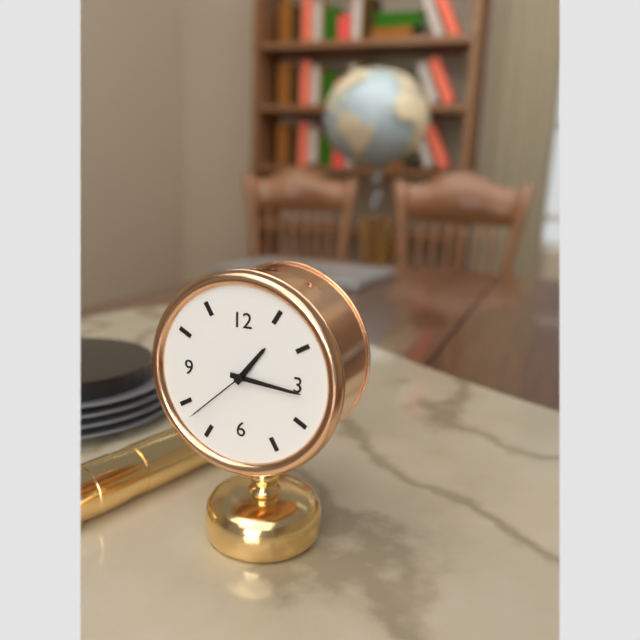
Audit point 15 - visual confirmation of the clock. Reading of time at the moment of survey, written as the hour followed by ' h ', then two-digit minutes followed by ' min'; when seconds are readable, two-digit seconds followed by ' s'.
1 h 16 min 38 s
